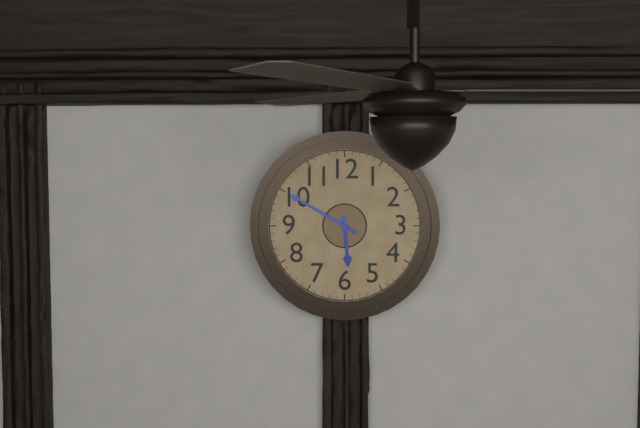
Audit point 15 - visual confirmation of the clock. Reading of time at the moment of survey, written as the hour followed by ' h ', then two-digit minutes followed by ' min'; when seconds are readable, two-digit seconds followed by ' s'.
5 h 50 min
